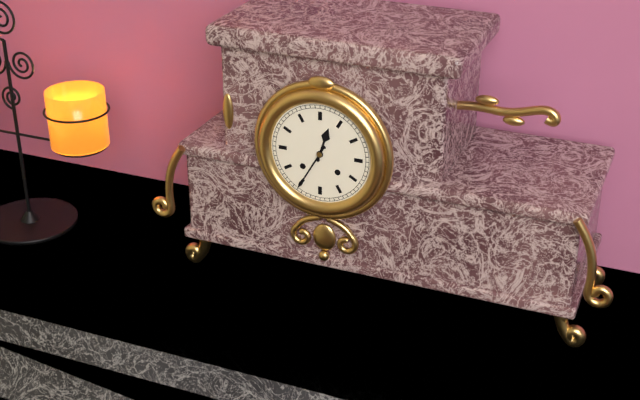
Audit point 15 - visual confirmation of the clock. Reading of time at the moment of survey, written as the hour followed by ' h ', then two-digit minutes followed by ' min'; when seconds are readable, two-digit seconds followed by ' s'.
12 h 35 min
